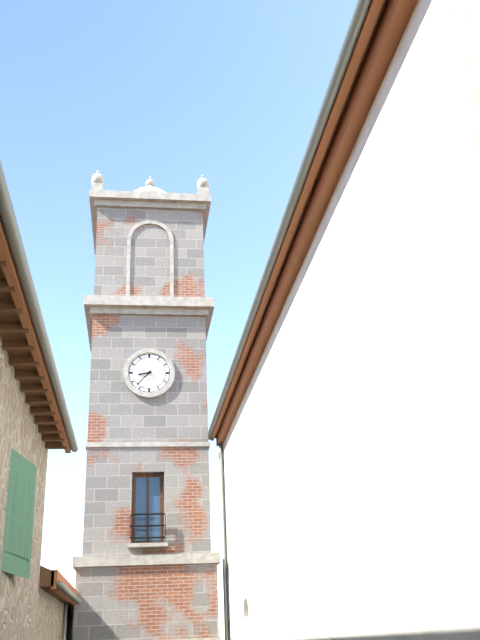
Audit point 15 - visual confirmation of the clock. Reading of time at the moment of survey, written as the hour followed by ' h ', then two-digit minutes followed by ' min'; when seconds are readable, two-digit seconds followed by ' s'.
8 h 37 min
